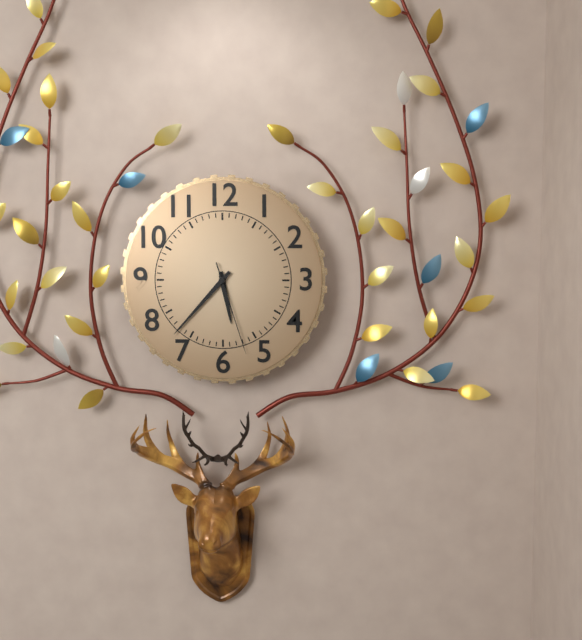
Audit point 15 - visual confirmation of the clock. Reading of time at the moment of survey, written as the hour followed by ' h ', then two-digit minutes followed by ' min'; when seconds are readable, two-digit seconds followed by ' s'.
5 h 37 min 27 s
